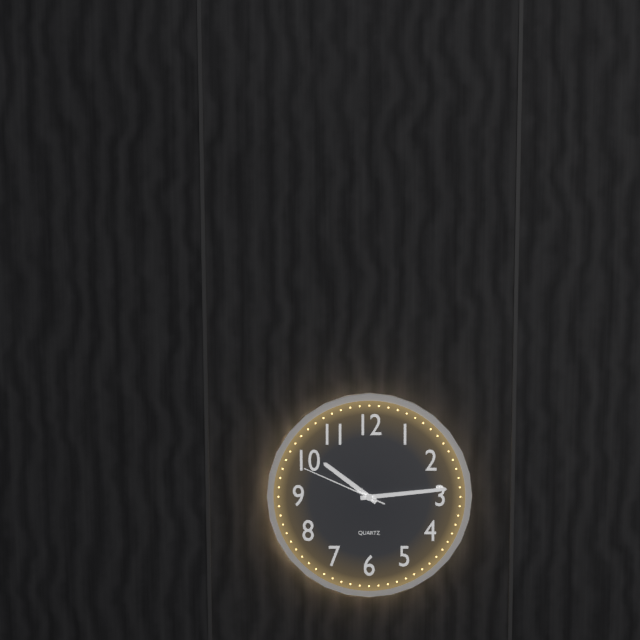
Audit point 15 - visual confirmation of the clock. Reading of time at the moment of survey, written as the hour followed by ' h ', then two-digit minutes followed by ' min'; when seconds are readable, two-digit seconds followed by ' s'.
10 h 14 min 49 s
